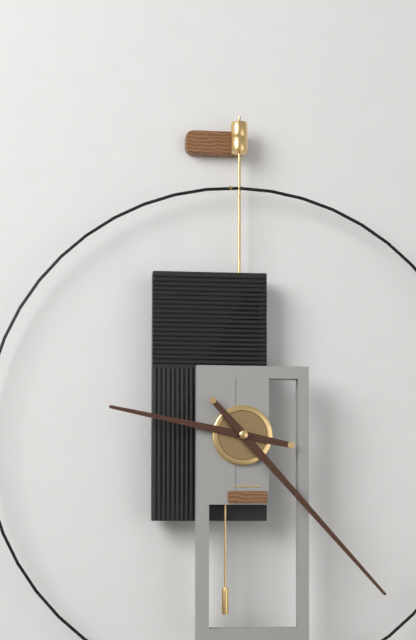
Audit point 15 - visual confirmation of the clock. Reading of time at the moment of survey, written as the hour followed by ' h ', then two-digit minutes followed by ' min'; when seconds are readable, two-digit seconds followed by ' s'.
9 h 23 min
